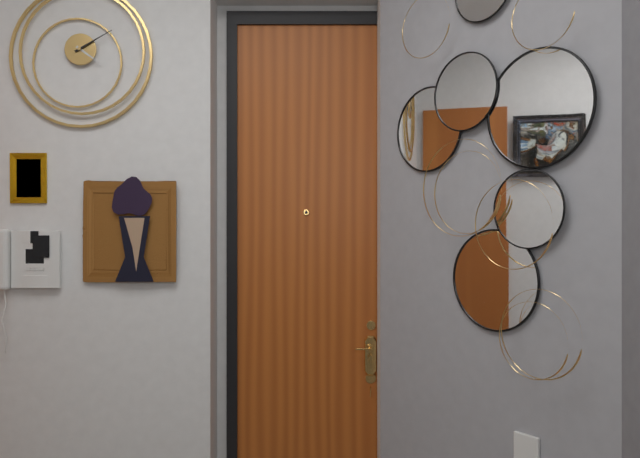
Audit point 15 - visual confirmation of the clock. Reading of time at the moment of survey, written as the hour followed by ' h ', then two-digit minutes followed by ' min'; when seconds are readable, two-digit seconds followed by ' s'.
4 h 10 min
